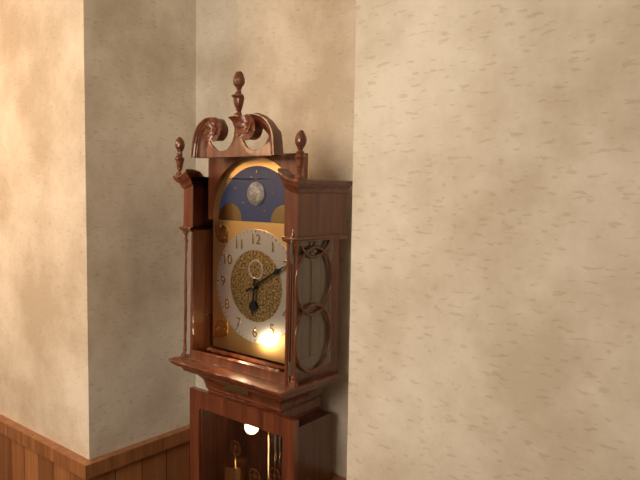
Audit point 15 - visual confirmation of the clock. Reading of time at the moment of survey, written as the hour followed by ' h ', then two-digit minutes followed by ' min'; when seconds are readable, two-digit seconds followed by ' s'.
6 h 10 min
